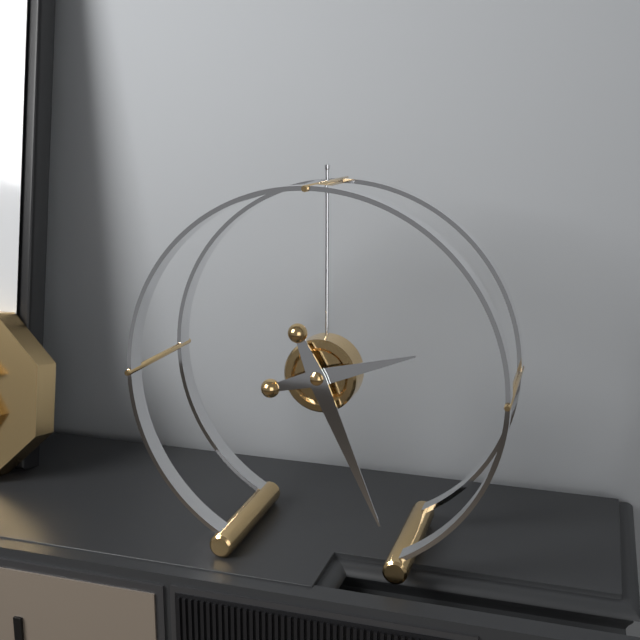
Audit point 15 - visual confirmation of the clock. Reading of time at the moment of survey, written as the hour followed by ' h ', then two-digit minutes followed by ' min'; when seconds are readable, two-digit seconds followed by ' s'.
2 h 26 min
